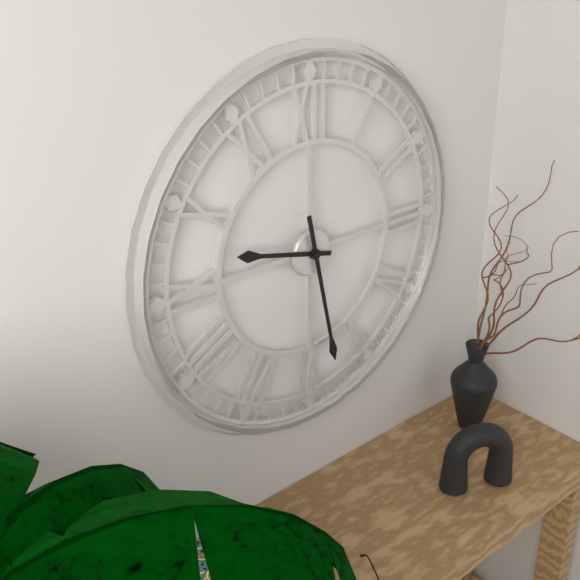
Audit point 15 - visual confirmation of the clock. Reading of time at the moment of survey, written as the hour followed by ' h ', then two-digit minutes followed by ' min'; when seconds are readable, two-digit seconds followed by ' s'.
9 h 28 min
